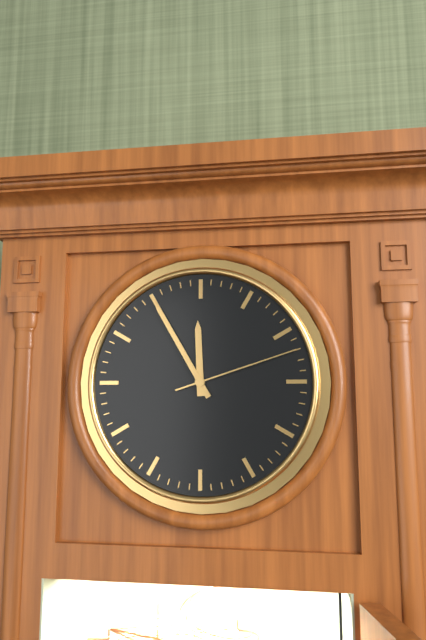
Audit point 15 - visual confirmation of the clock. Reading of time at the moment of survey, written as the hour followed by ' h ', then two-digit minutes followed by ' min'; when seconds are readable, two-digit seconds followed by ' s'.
11 h 55 min 12 s
